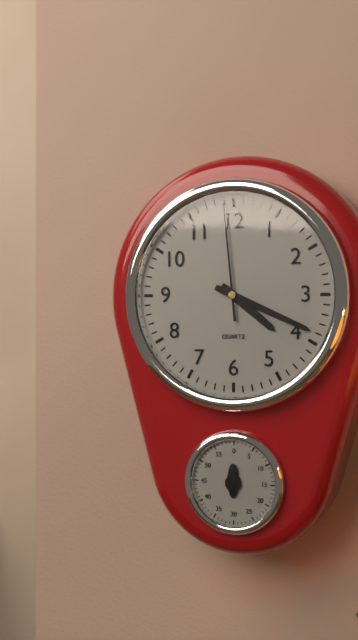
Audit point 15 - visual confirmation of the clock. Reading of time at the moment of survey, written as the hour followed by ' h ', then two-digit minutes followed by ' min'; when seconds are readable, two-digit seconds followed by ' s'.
4 h 19 min 59 s
